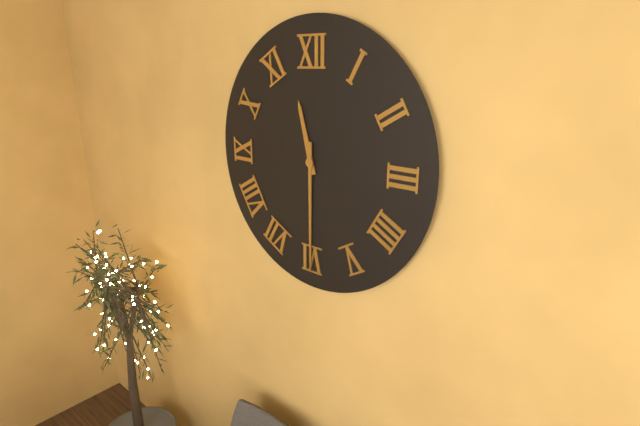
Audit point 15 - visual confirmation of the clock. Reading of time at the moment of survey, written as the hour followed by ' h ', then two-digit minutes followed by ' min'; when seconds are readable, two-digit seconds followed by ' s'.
11 h 30 min
